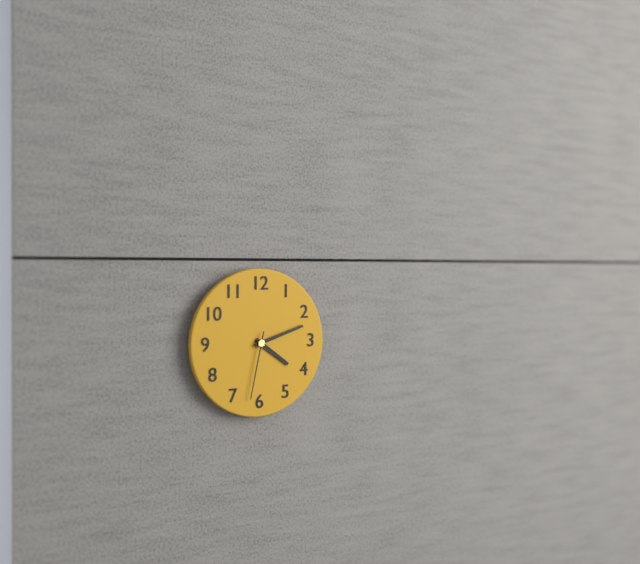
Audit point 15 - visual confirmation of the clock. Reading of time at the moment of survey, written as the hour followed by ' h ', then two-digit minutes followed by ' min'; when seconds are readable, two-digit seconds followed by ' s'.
4 h 12 min 32 s
